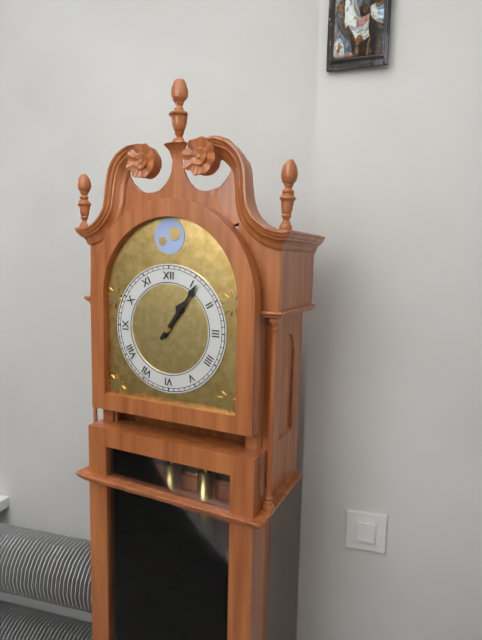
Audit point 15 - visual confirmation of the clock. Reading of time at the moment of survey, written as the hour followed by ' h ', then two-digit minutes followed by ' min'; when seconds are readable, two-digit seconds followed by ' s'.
1 h 06 min
